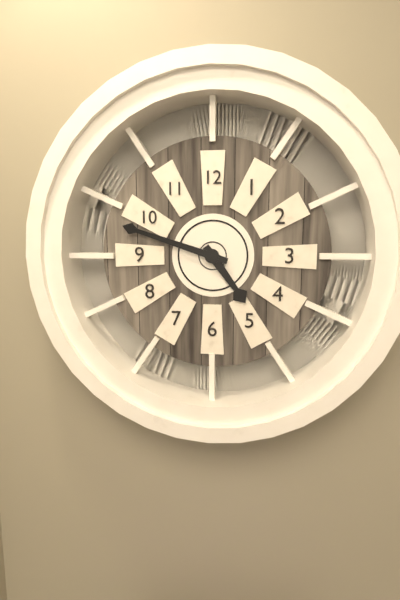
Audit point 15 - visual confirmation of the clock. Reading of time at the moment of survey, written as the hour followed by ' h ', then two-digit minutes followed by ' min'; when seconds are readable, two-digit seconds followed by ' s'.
4 h 48 min
